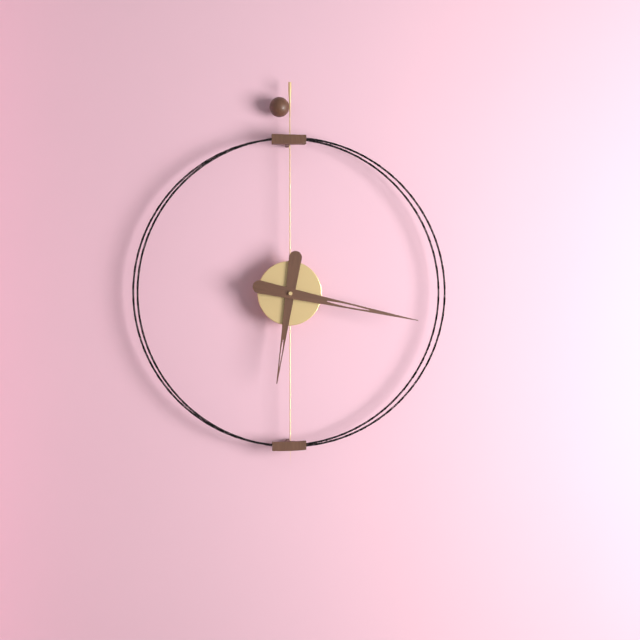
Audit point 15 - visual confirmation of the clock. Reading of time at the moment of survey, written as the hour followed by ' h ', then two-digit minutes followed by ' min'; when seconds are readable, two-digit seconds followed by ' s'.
6 h 17 min
